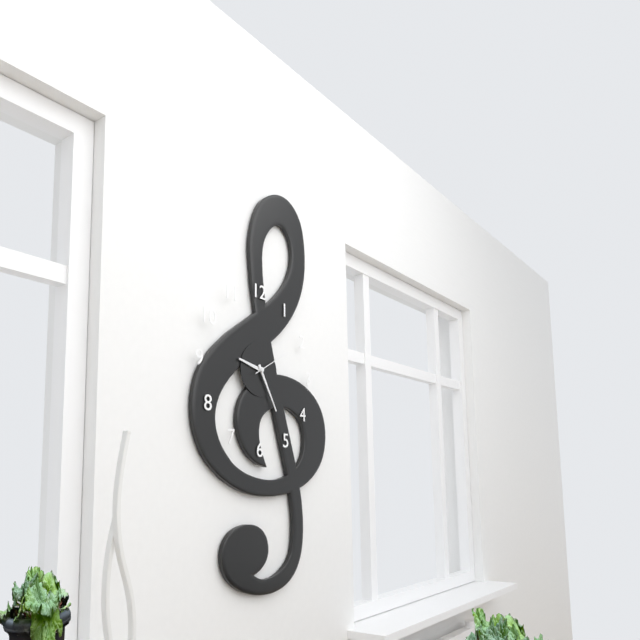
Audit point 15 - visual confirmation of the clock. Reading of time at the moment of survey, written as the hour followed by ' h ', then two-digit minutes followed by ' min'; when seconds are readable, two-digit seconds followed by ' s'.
9 h 25 min
